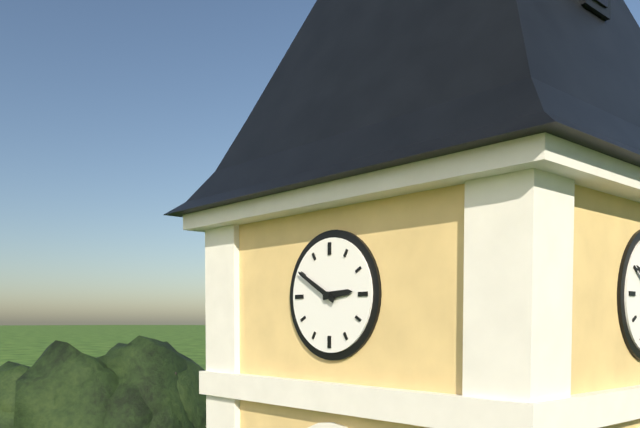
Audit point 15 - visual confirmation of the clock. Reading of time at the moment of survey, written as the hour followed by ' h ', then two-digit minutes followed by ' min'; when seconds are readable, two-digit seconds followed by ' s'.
2 h 50 min
